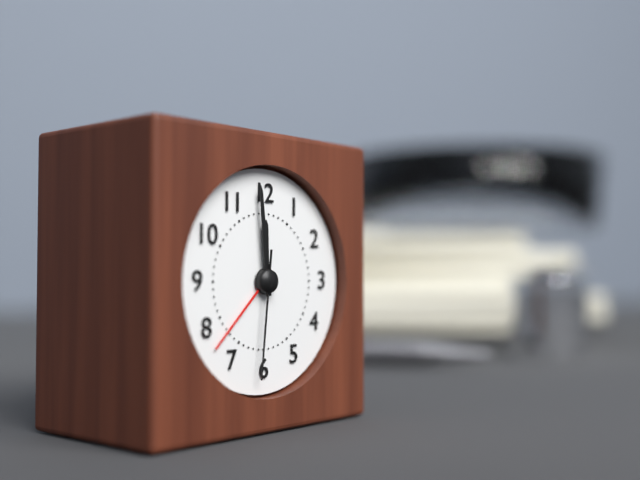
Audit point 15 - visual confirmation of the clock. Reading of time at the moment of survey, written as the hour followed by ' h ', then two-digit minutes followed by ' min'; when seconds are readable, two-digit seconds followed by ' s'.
11 h 59 min 31 s
